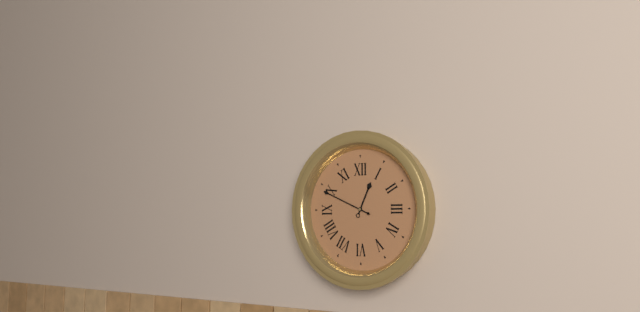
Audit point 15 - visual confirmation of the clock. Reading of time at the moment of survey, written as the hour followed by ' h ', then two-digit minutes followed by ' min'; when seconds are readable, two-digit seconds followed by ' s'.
12 h 49 min
